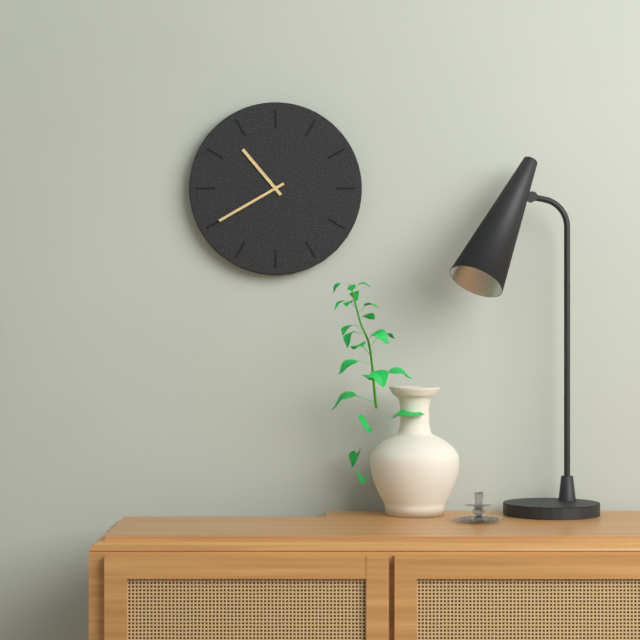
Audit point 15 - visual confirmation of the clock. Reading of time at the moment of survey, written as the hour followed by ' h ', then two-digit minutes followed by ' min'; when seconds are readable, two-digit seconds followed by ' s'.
10 h 40 min
